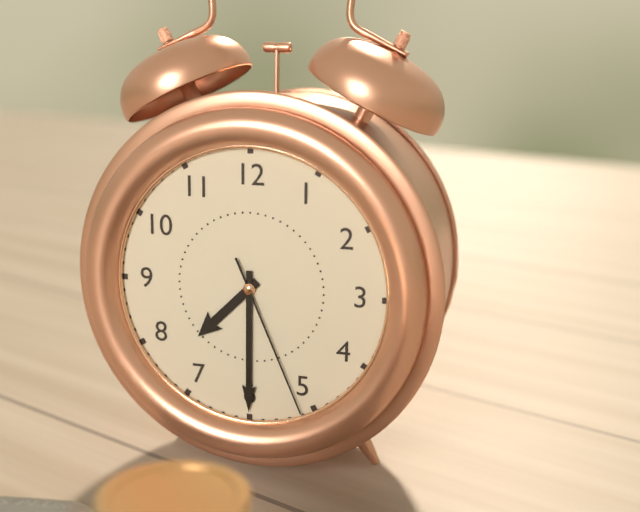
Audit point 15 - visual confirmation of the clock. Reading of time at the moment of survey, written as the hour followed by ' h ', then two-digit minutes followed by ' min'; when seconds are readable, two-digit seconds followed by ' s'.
7 h 30 min 26 s
